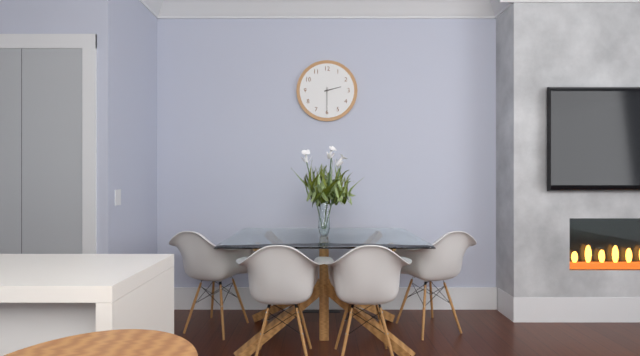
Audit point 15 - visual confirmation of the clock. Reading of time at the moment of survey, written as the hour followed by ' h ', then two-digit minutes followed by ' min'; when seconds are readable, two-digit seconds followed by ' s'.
2 h 30 min
